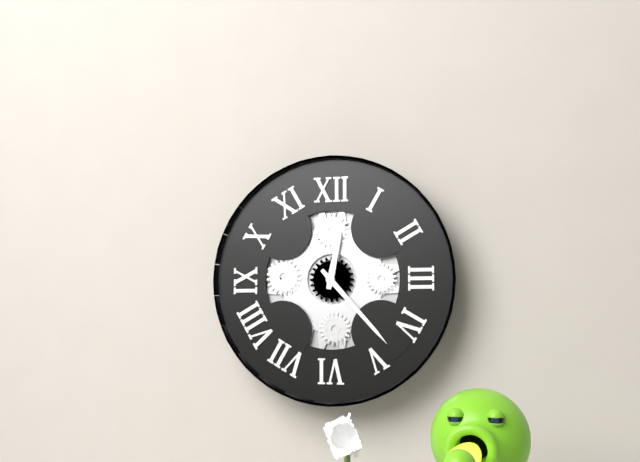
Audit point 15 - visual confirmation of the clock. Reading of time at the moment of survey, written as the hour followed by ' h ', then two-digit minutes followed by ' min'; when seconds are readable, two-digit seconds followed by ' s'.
12 h 23 min
